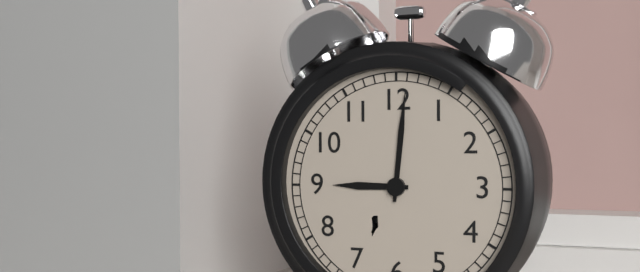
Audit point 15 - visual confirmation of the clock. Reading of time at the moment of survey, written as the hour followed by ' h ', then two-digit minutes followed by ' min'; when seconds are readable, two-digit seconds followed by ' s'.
9 h 01 min
